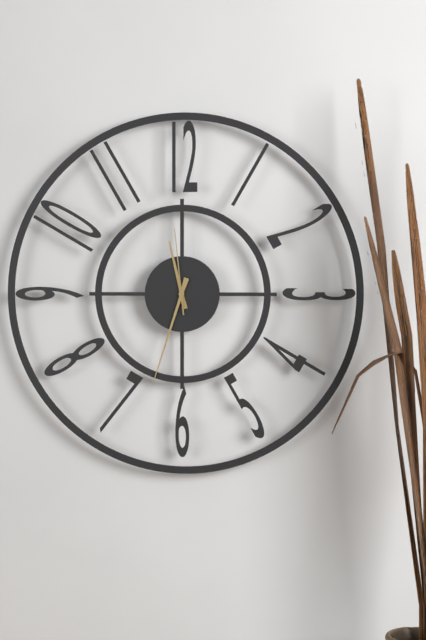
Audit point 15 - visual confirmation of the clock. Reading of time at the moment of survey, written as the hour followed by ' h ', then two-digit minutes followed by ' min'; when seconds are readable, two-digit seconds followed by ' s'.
11 h 33 min 59 s
